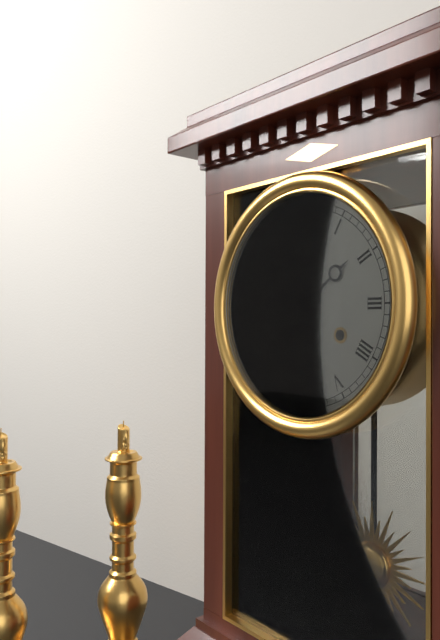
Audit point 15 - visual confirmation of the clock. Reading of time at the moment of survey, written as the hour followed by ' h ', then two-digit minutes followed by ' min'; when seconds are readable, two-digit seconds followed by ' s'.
1 h 48 min
